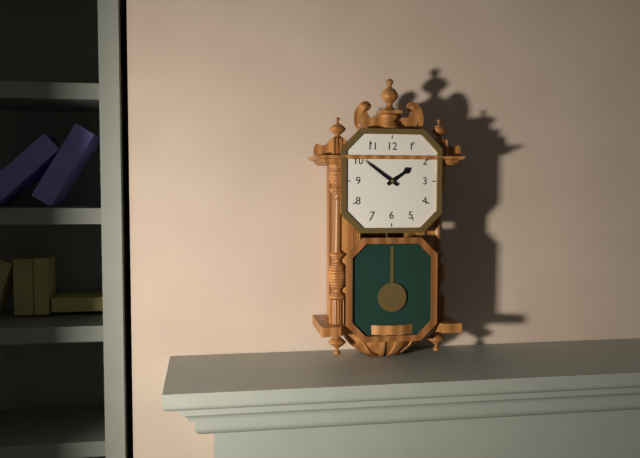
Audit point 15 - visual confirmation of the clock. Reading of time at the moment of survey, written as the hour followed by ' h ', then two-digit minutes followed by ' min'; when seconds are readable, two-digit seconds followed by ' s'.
1 h 51 min
